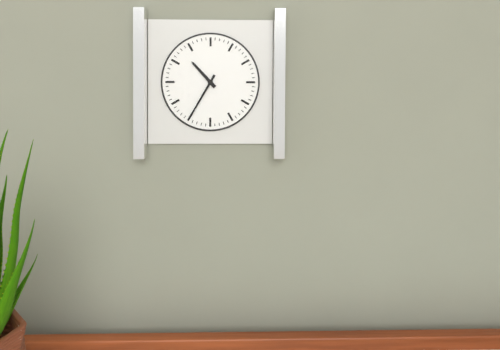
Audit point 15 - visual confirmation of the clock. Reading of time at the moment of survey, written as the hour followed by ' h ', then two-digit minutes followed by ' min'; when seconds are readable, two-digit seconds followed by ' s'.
10 h 35 min
